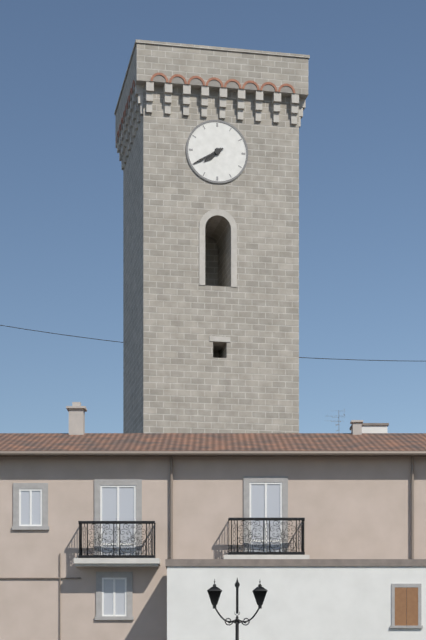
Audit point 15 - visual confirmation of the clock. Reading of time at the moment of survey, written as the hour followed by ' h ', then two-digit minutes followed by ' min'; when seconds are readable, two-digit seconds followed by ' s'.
7 h 40 min
